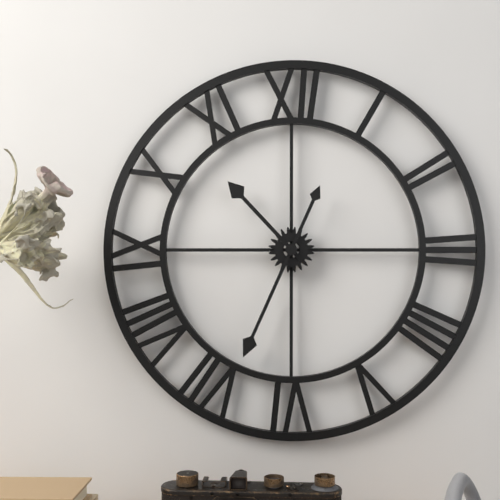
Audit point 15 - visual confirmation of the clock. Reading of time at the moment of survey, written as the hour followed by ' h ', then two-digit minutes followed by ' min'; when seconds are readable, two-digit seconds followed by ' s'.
10 h 34 min
